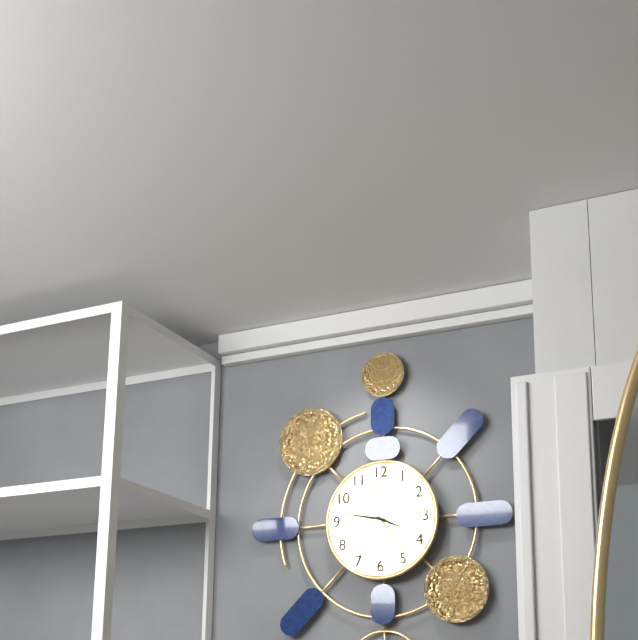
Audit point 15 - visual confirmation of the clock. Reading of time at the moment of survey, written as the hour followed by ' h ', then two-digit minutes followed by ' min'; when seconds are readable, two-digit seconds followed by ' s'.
3 h 47 min 23 s
